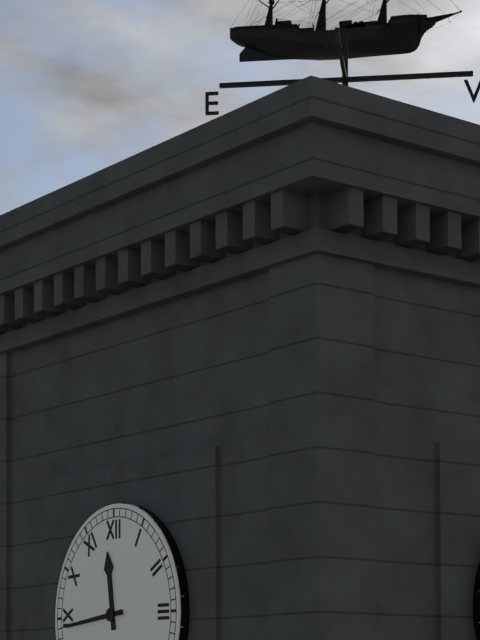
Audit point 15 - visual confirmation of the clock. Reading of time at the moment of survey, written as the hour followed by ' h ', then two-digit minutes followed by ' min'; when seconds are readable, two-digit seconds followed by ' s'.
11 h 44 min
